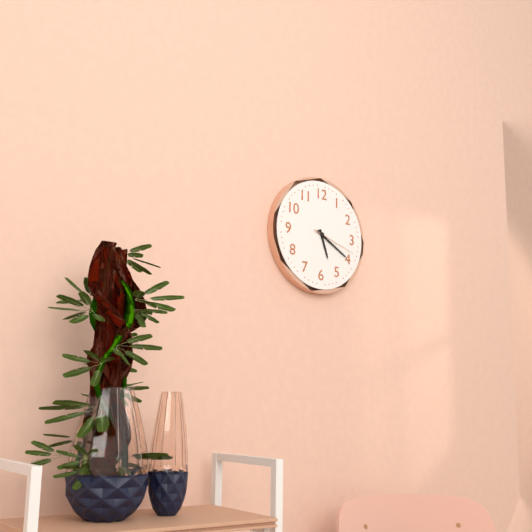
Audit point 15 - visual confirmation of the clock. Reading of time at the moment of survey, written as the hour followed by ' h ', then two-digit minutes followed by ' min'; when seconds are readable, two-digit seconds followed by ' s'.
5 h 20 min
